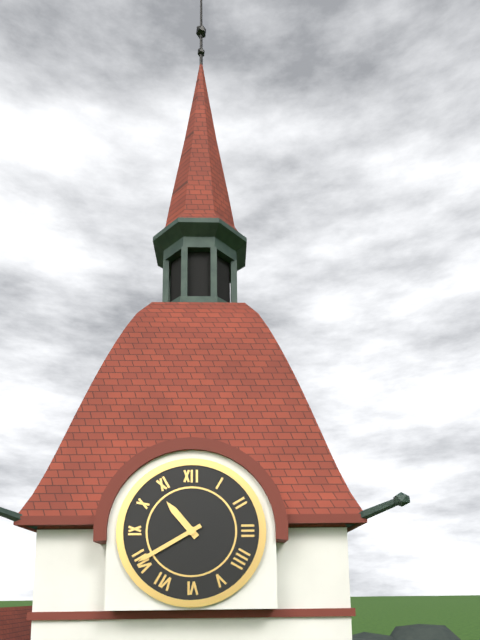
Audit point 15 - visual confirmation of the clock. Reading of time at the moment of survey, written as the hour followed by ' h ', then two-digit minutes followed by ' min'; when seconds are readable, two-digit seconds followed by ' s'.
10 h 40 min
